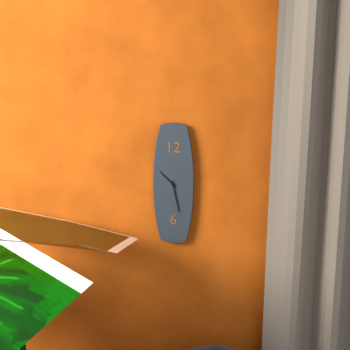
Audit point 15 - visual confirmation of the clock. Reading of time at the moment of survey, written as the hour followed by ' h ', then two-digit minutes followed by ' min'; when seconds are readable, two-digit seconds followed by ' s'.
10 h 28 min
